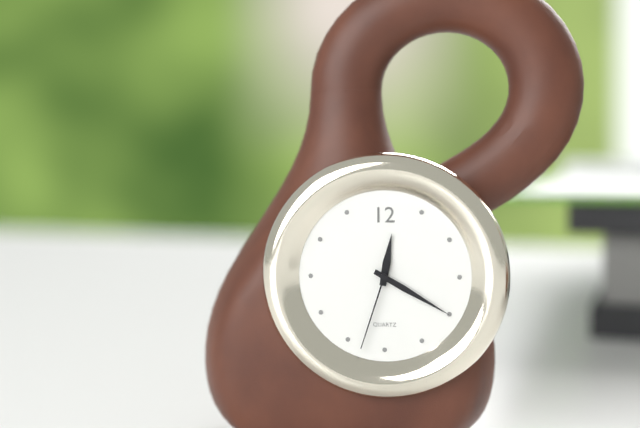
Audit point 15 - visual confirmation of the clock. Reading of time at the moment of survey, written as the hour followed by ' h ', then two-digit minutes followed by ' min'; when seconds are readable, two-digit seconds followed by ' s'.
12 h 20 min 33 s
